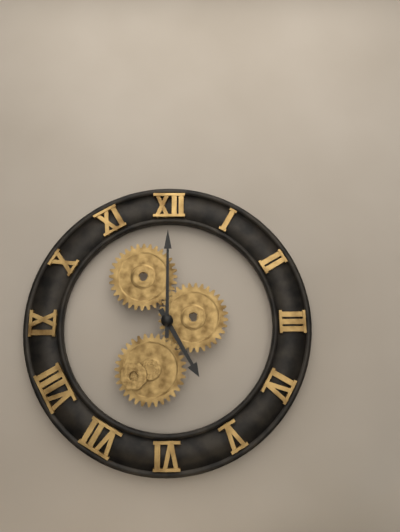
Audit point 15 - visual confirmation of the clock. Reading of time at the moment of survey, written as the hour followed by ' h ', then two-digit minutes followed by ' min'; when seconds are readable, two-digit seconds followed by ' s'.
5 h 00 min
